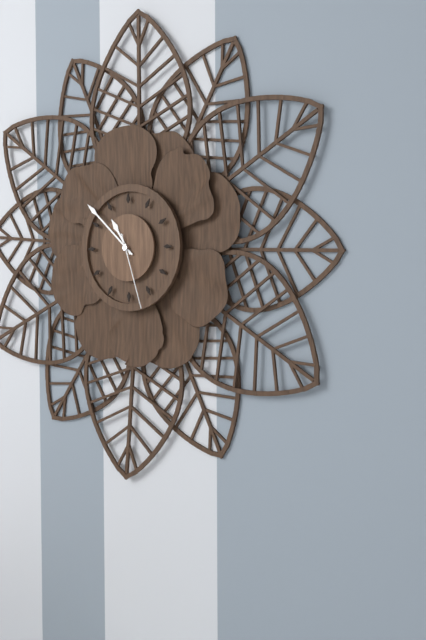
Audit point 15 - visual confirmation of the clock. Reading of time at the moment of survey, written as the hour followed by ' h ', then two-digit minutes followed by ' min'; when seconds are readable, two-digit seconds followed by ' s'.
10 h 52 min 27 s
